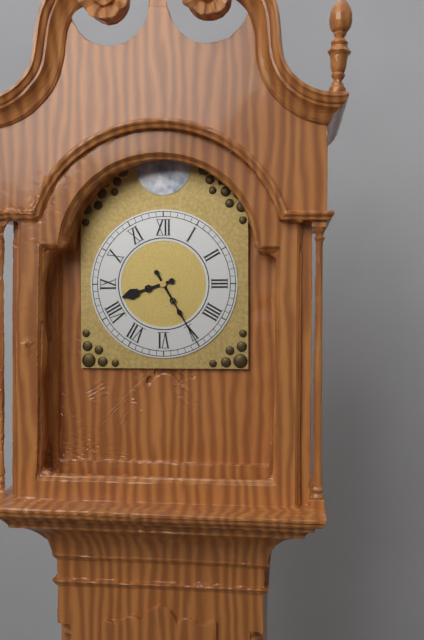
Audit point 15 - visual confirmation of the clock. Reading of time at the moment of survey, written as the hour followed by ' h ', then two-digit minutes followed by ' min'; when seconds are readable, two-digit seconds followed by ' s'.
8 h 25 min
